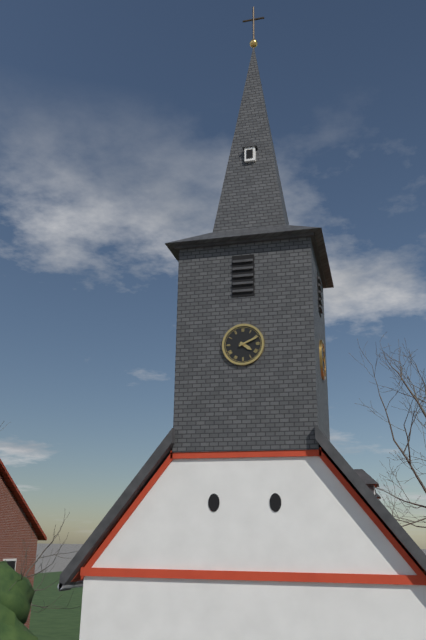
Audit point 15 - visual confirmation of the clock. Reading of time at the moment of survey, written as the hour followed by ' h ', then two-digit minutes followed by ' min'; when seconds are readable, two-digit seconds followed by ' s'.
4 h 11 min
